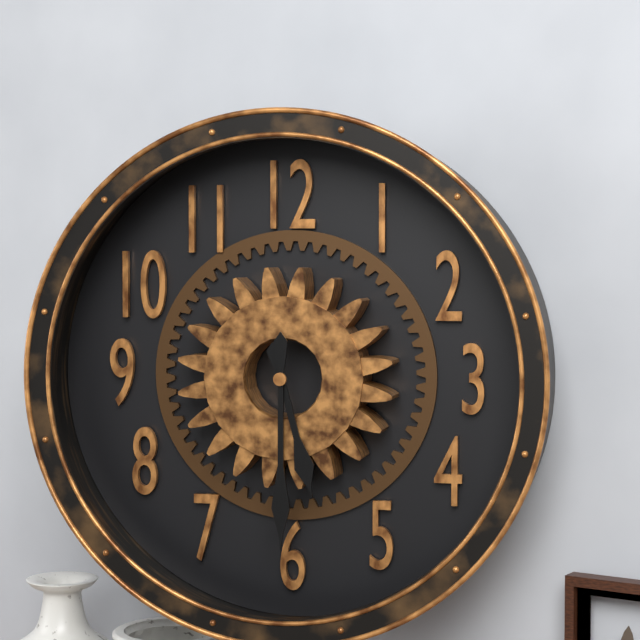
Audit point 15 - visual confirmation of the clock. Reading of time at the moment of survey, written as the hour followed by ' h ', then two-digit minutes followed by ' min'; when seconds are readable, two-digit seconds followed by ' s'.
5 h 30 min
